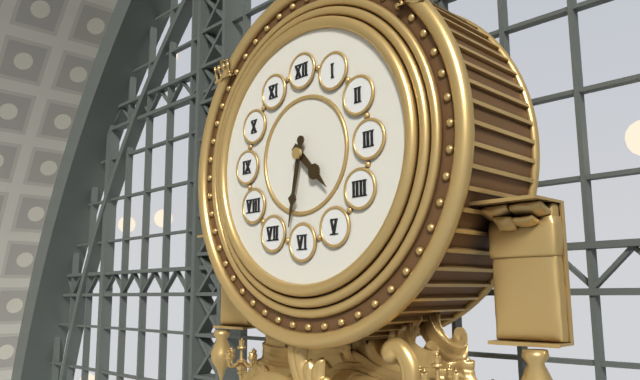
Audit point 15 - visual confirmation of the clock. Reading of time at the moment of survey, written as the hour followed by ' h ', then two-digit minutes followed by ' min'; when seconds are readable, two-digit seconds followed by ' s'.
4 h 32 min
